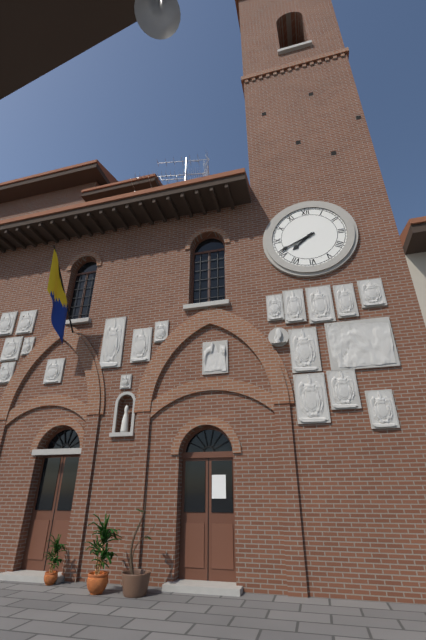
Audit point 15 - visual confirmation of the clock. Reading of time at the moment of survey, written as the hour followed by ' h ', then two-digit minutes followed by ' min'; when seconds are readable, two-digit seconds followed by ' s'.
7 h 41 min
